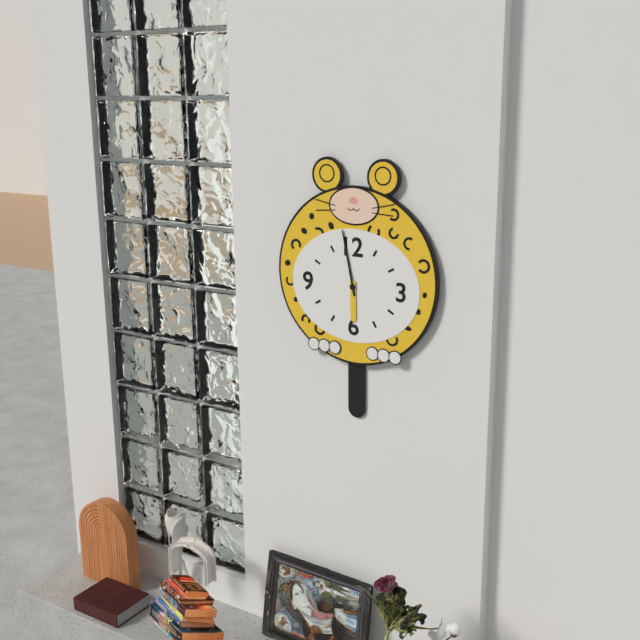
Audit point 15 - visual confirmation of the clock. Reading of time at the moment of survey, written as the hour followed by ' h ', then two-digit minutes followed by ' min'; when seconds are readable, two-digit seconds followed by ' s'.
5 h 58 min
